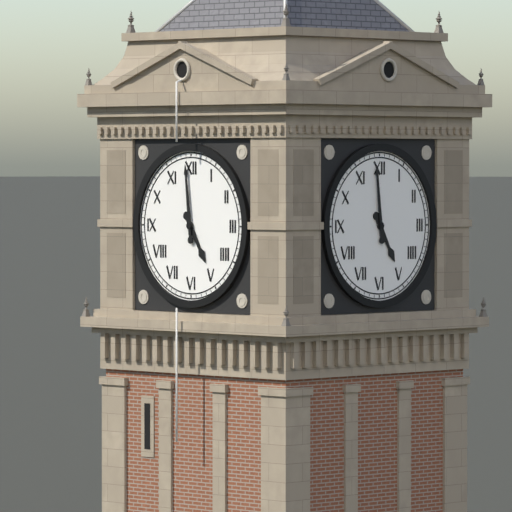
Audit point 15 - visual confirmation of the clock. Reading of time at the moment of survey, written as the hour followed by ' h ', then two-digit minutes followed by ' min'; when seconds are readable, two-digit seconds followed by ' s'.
4 h 59 min
